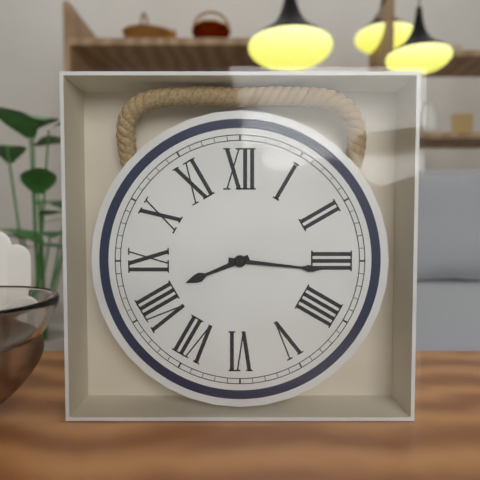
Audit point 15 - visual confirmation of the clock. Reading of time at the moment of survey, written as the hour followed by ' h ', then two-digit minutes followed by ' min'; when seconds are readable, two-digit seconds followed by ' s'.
8 h 16 min
